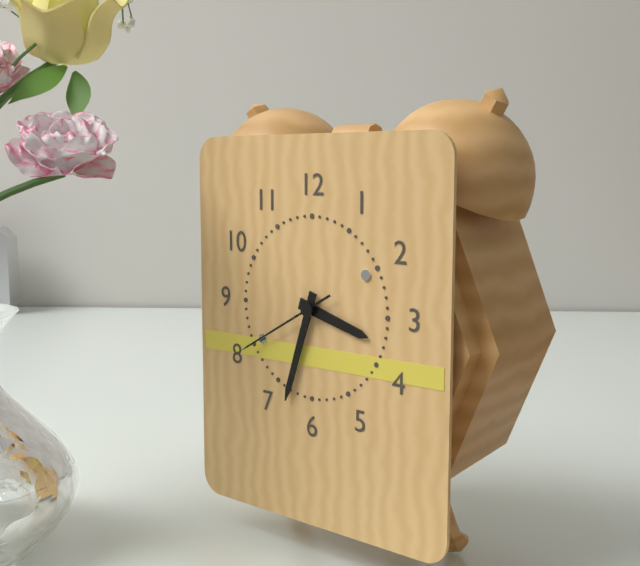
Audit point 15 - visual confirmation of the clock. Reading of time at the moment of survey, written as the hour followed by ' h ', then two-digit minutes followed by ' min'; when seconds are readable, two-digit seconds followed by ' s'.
3 h 33 min 40 s
